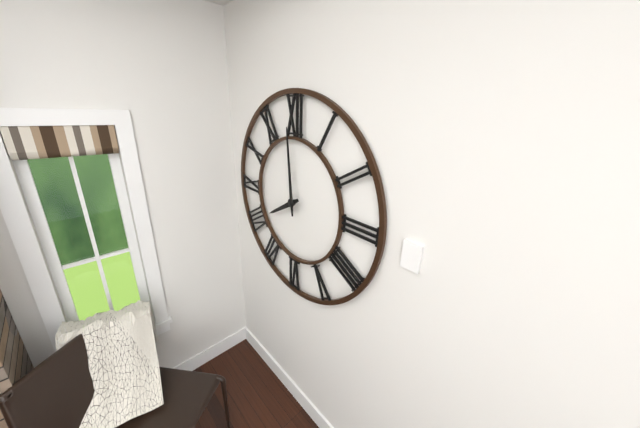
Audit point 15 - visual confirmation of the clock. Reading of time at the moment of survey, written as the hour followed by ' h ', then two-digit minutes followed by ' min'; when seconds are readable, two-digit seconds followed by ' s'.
7 h 59 min
